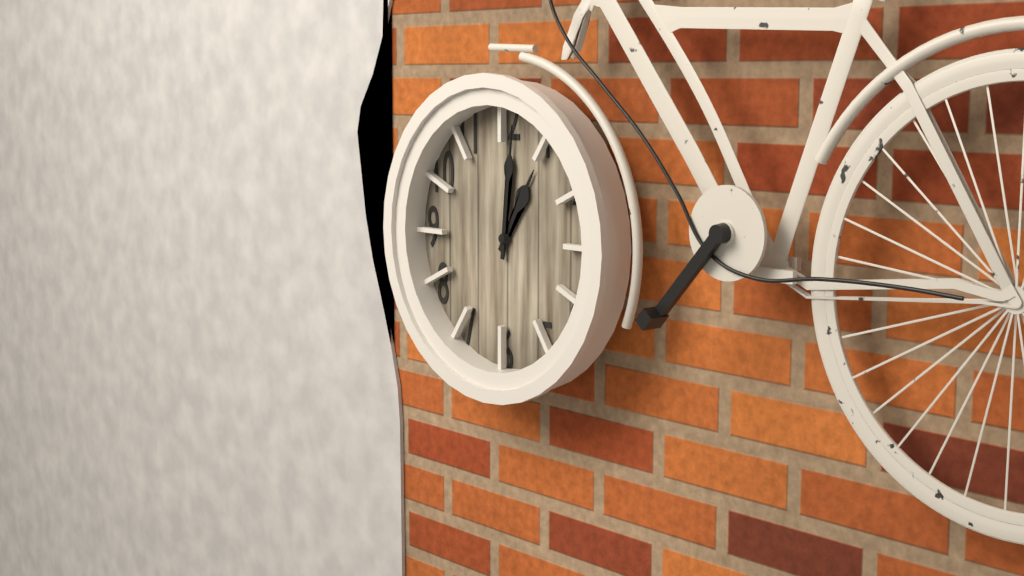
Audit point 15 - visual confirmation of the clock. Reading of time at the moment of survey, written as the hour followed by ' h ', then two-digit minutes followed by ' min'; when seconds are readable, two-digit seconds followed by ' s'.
1 h 01 min
